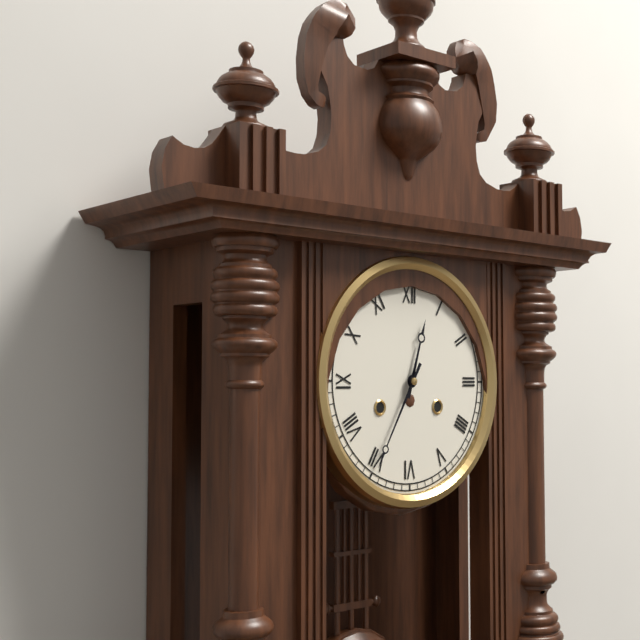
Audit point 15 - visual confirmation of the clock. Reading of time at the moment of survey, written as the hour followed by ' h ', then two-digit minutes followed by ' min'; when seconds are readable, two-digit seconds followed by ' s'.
12 h 35 min
